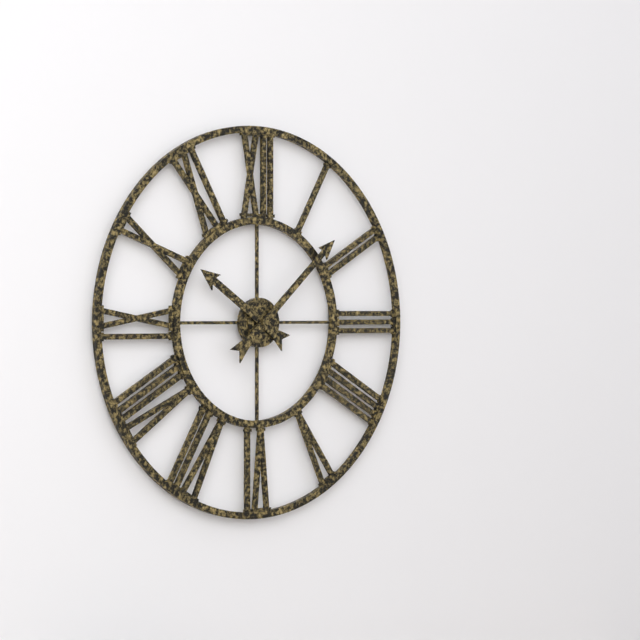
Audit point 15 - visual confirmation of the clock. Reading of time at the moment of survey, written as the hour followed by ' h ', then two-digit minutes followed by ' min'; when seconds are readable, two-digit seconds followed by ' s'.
10 h 08 min
